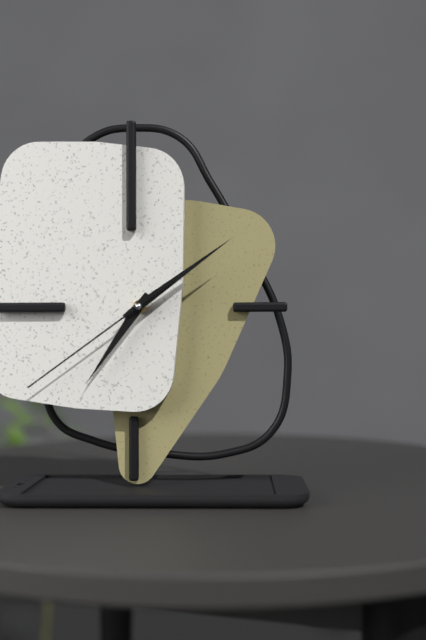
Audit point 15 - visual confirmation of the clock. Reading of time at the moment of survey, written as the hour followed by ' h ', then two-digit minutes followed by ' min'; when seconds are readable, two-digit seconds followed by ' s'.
7 h 09 min 39 s
